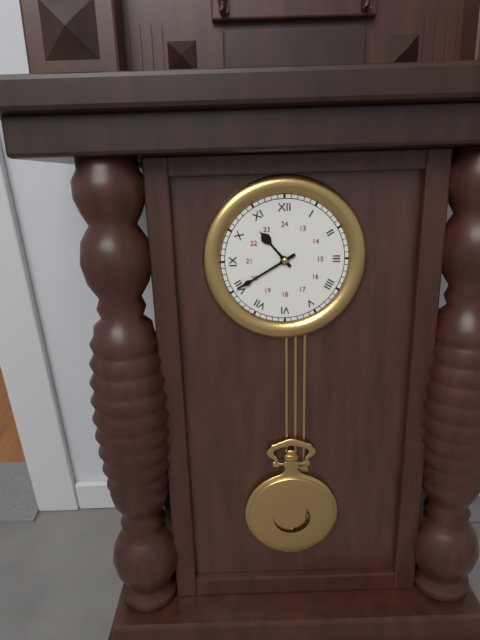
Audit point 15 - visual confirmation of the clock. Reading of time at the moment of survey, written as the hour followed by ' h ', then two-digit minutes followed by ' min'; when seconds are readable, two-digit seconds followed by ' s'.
10 h 40 min
